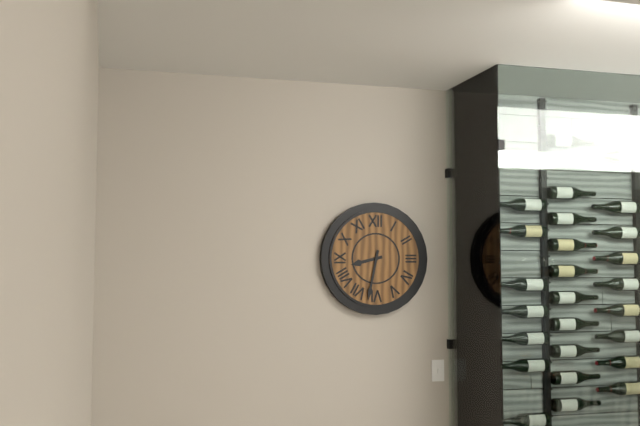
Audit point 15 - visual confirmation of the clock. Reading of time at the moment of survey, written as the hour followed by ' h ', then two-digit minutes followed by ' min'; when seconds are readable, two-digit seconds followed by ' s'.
8 h 32 min
